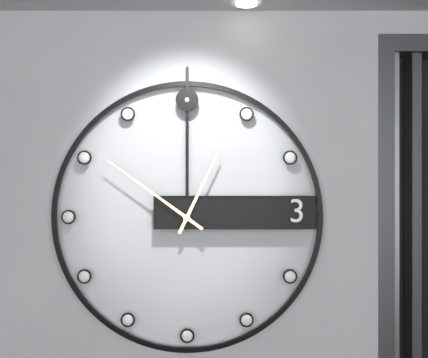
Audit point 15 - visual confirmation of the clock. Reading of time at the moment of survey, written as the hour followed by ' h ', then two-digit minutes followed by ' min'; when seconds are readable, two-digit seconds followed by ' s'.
12 h 51 min
